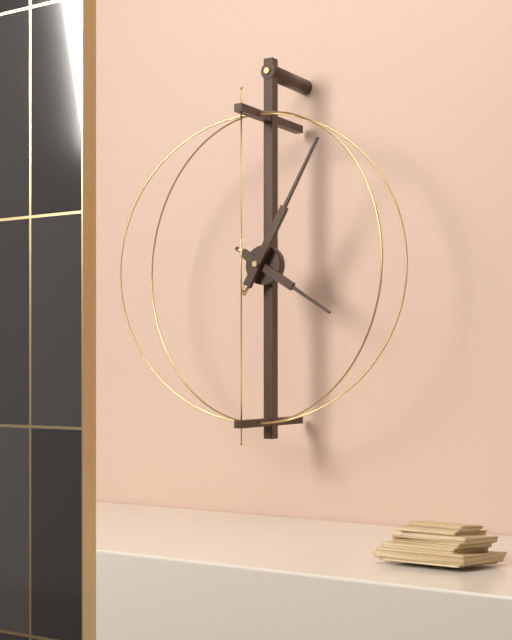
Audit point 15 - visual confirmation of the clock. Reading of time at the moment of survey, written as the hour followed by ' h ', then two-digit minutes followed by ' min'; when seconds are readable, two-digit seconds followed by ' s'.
4 h 05 min
